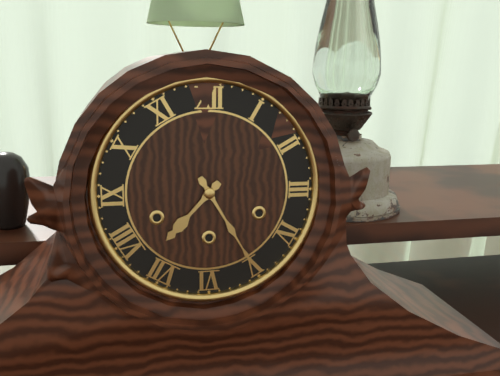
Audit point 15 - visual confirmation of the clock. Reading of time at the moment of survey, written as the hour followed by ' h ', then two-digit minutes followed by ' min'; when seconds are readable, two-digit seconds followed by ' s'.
7 h 25 min
